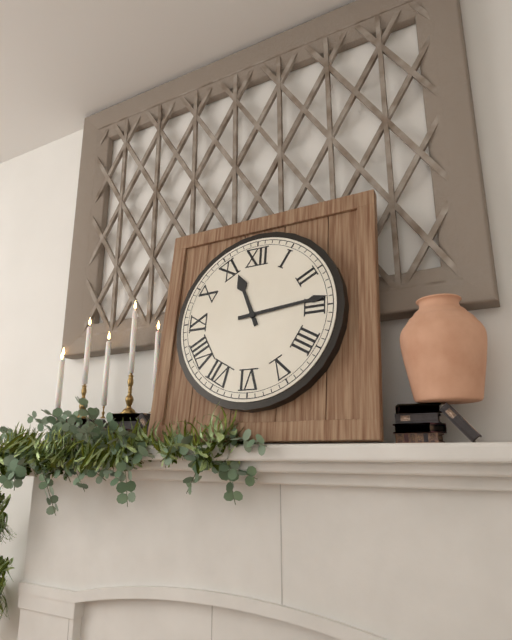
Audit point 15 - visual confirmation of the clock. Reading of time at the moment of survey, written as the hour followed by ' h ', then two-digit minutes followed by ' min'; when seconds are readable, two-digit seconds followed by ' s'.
11 h 14 min
